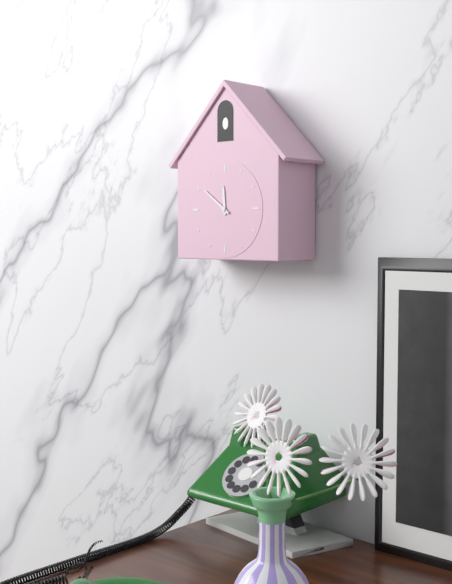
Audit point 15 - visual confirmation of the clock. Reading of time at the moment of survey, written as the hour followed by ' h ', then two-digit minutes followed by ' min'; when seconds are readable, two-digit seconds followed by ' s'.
11 h 51 min
